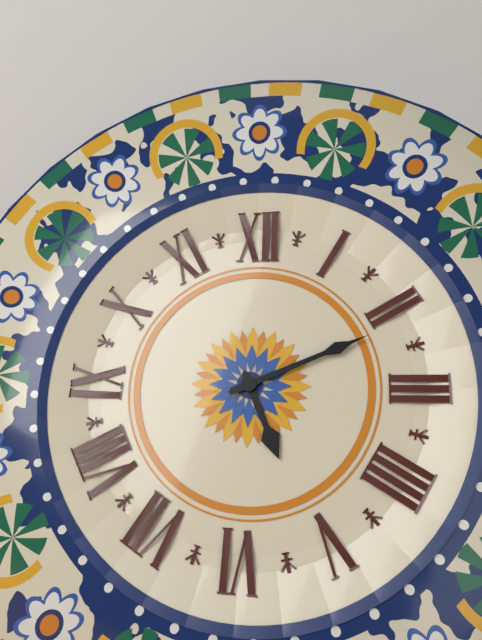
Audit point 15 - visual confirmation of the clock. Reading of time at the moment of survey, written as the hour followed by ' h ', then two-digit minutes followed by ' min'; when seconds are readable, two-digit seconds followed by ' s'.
5 h 11 min
